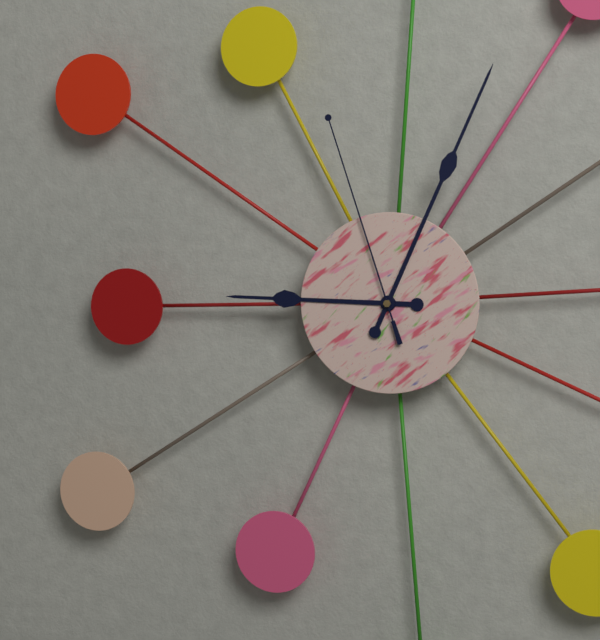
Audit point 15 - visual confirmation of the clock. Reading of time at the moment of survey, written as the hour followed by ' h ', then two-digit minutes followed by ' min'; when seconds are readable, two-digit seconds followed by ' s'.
9 h 04 min 57 s
